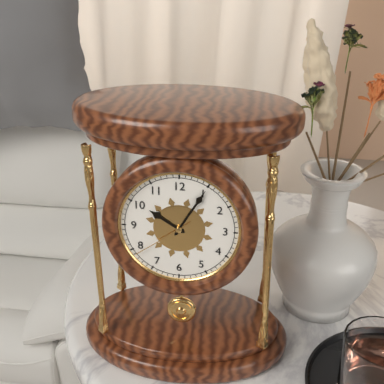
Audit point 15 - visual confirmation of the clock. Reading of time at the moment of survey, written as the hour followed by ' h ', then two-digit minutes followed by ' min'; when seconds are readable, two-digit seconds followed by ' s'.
10 h 05 min 39 s
